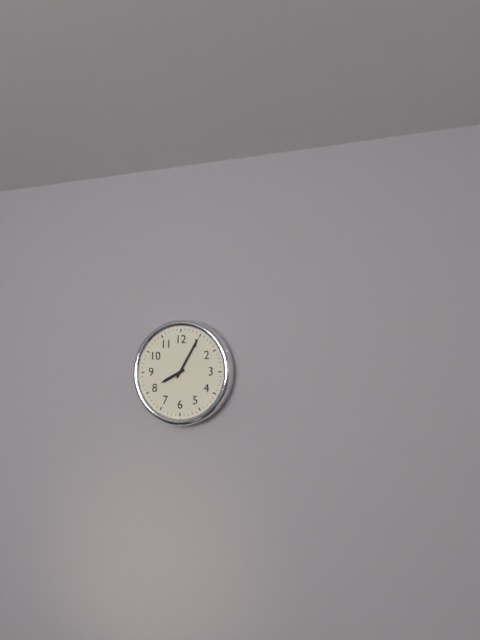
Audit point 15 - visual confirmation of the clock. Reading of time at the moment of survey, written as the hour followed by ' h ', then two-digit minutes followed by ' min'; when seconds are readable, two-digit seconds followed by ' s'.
8 h 05 min
